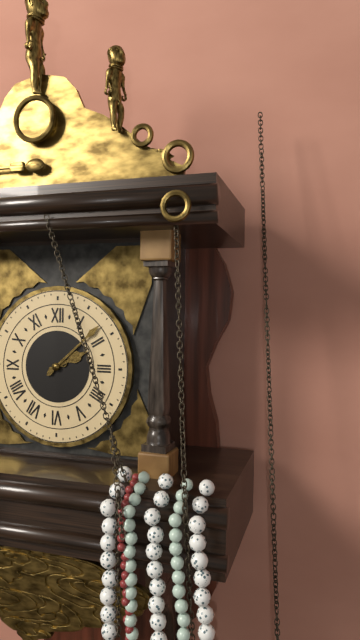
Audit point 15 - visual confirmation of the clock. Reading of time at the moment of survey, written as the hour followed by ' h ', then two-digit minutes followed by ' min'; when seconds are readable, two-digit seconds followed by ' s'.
2 h 08 min
